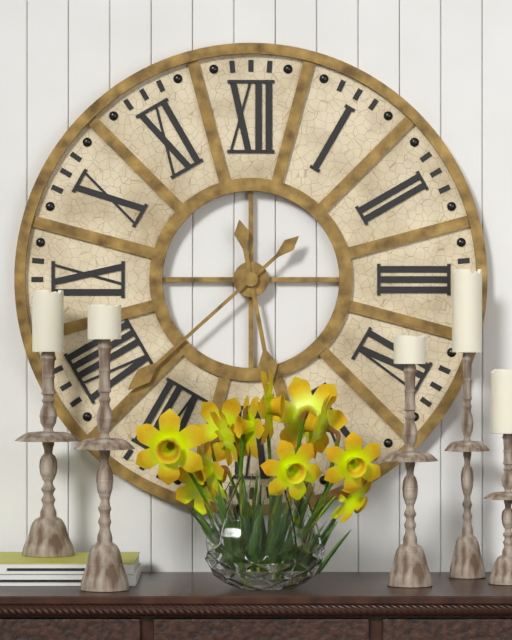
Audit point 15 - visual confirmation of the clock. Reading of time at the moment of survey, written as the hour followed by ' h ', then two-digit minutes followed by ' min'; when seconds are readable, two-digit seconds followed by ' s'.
5 h 38 min
